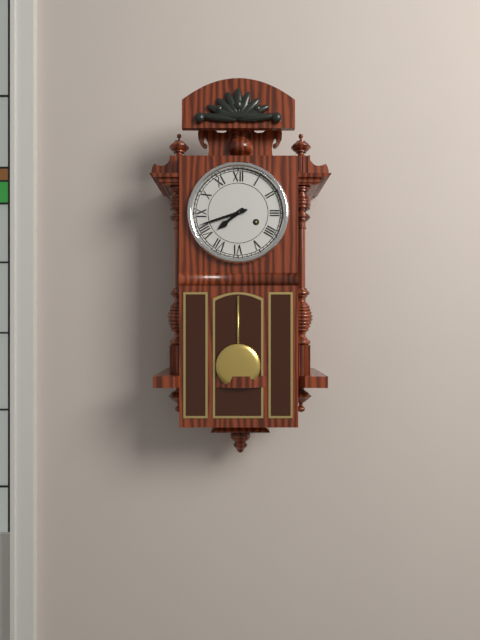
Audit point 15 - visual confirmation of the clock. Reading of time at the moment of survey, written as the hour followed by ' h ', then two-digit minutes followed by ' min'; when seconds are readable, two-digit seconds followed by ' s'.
7 h 42 min
